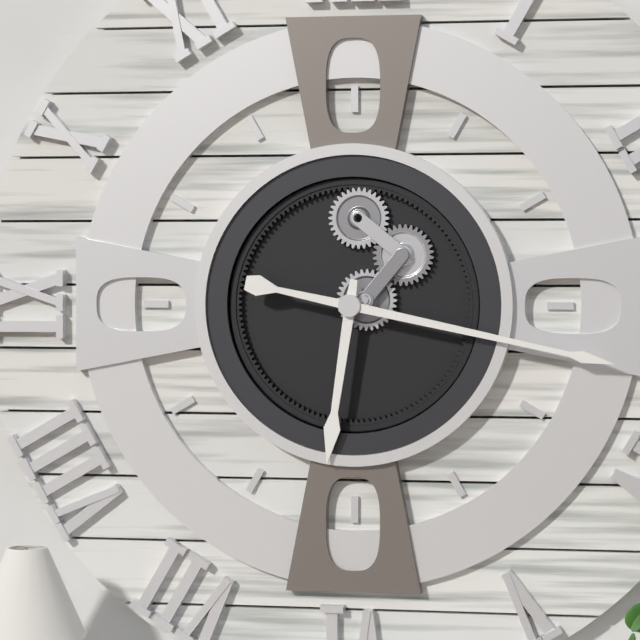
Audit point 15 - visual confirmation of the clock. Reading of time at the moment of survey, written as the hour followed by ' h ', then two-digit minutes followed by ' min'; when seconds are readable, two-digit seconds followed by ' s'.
6 h 17 min
